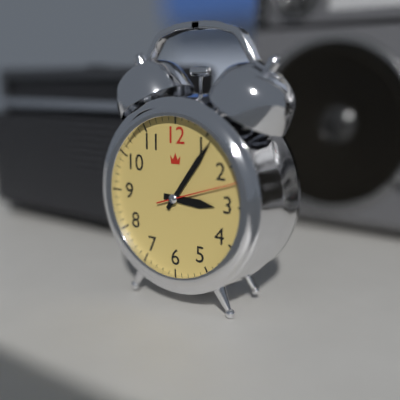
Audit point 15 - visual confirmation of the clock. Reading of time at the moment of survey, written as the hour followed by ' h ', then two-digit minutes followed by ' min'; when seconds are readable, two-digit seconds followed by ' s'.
3 h 06 min 12 s
